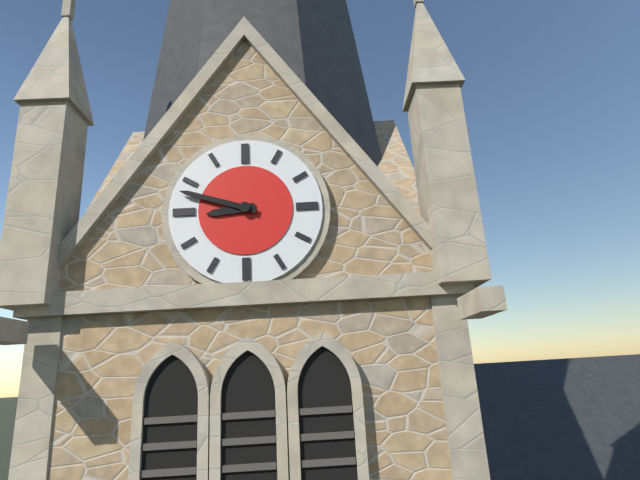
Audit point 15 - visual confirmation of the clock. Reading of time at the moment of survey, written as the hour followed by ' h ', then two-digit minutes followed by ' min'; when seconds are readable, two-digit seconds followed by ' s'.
8 h 48 min
